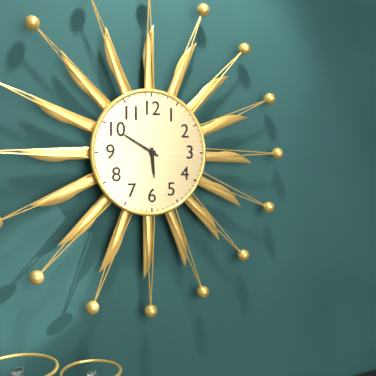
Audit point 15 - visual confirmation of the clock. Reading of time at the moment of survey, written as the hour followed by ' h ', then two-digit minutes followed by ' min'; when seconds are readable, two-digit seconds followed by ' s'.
5 h 50 min
